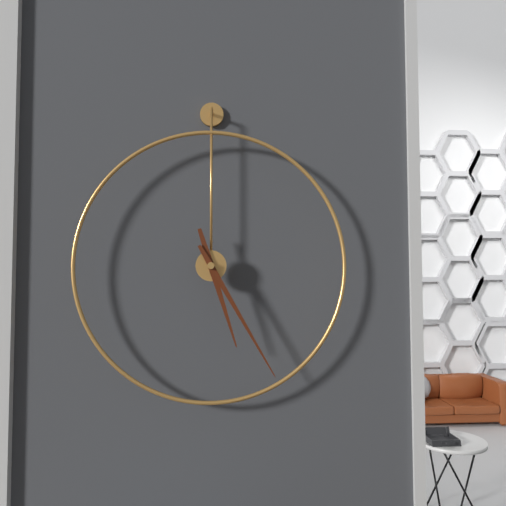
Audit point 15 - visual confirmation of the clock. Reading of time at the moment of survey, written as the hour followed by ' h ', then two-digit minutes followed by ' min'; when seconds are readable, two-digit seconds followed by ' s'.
5 h 25 min
